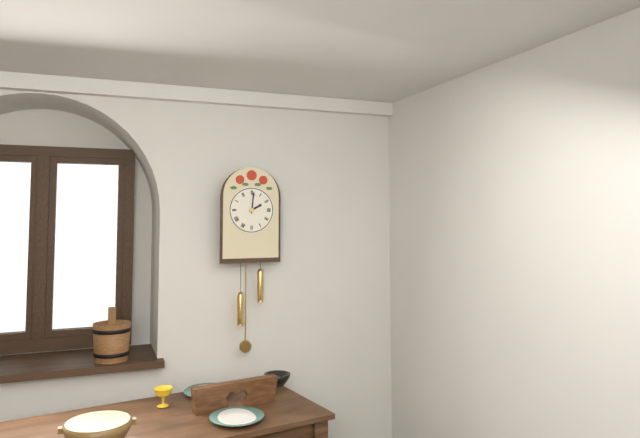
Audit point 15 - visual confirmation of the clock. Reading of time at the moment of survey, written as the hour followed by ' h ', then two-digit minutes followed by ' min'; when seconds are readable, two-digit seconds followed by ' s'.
2 h 01 min
